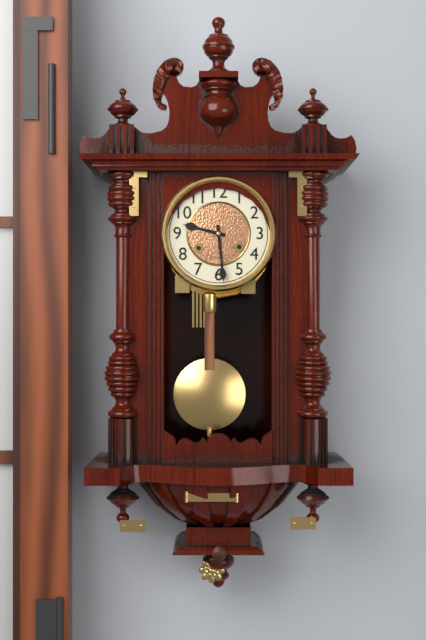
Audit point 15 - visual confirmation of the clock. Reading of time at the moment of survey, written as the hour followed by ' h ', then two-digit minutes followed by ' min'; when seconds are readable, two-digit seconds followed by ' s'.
9 h 29 min
